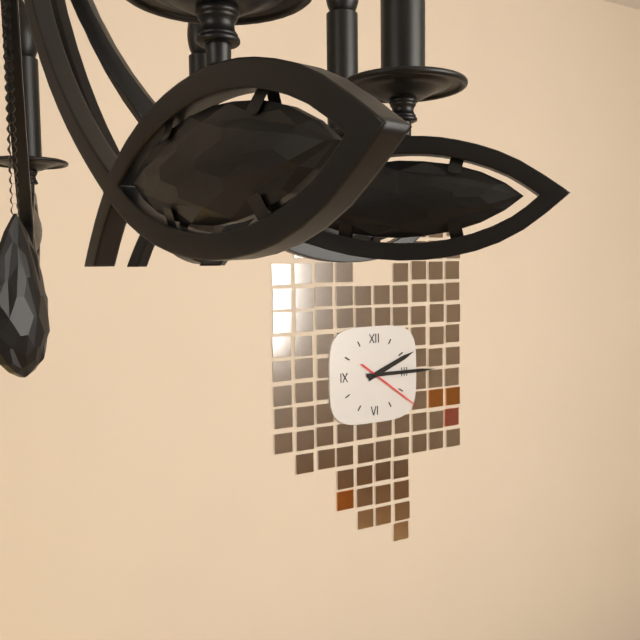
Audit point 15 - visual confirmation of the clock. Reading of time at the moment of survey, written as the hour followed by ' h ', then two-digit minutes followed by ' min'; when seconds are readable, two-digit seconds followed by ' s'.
2 h 15 min 21 s
